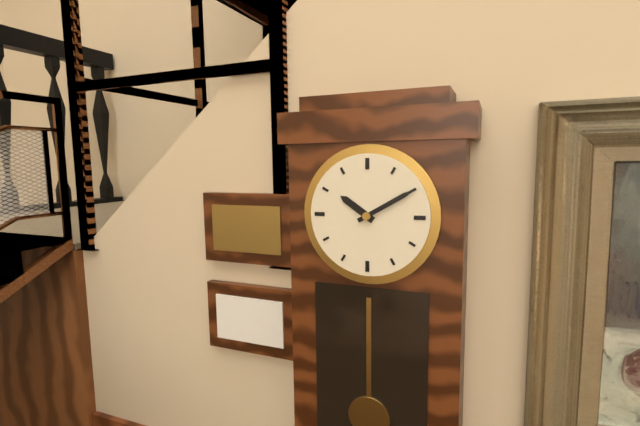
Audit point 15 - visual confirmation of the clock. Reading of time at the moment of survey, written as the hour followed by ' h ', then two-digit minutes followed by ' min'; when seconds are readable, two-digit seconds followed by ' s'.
10 h 10 min
